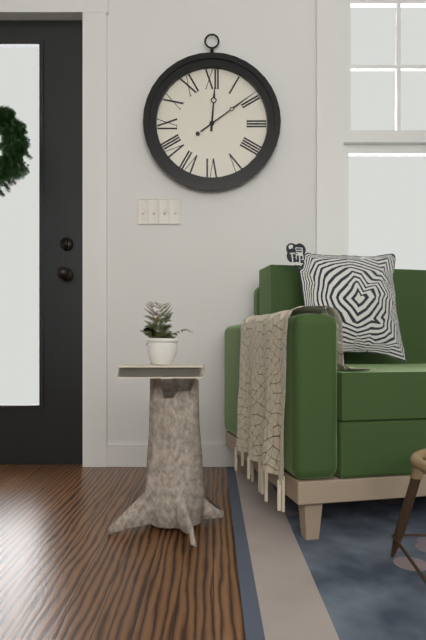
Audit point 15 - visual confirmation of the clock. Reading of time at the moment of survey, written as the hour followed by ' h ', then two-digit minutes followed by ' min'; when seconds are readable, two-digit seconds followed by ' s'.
12 h 09 min
